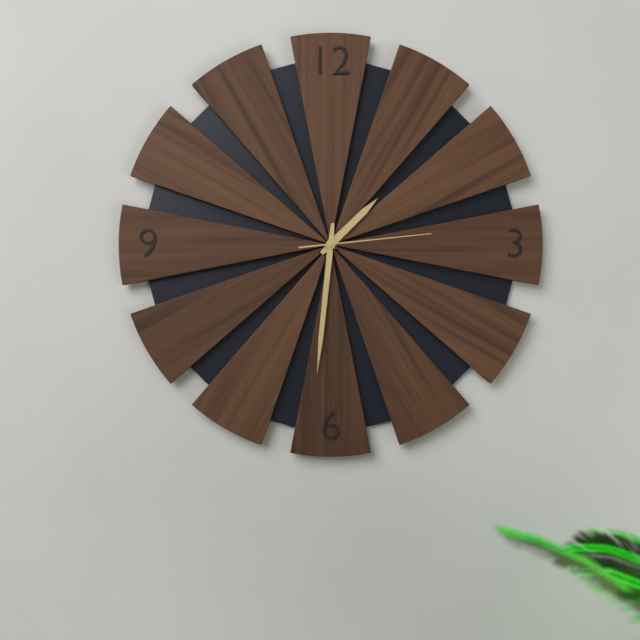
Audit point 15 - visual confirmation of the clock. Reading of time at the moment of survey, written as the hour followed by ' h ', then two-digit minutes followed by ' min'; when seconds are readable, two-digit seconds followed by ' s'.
1 h 31 min 14 s
